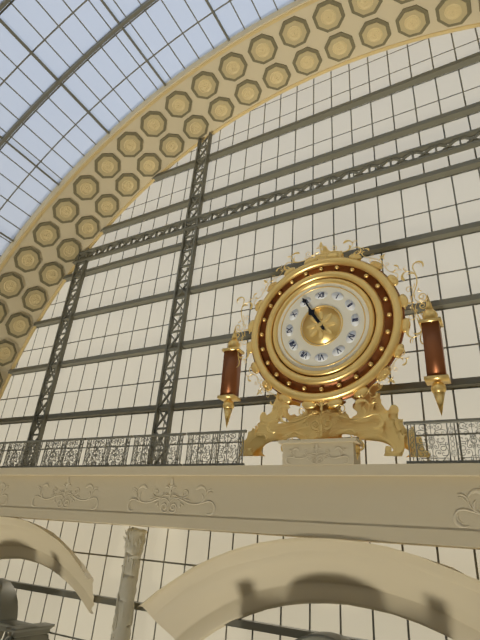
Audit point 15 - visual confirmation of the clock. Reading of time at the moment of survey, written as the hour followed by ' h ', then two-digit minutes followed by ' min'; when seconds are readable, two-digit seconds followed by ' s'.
10 h 55 min
